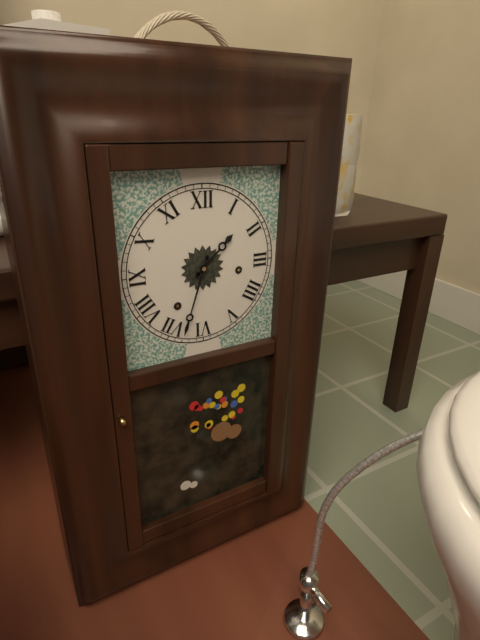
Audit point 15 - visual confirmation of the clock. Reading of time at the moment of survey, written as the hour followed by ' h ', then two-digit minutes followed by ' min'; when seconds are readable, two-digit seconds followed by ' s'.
1 h 33 min
